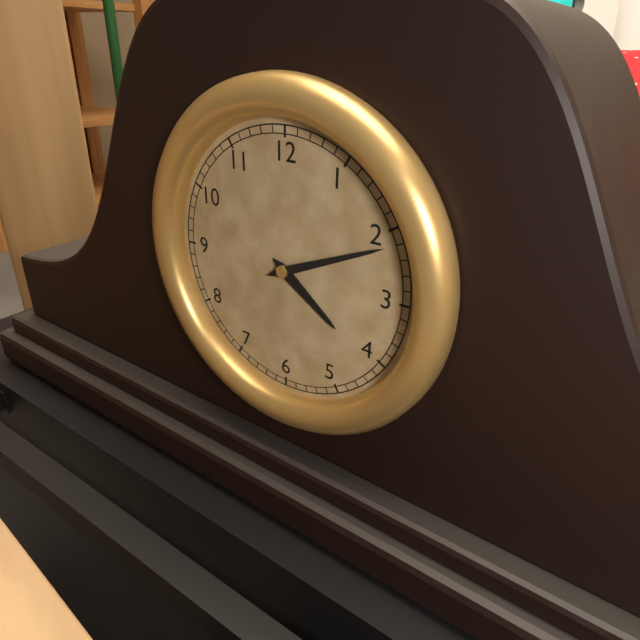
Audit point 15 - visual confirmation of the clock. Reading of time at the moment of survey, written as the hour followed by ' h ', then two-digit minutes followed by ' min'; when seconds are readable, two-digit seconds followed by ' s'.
4 h 11 min
